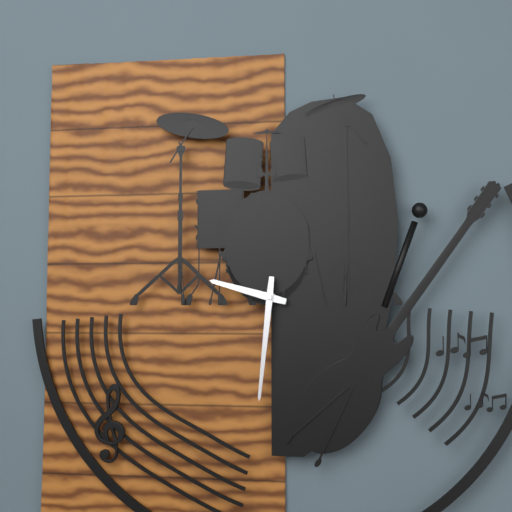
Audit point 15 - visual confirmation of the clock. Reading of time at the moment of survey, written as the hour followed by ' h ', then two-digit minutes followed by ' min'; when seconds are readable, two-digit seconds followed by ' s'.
9 h 31 min
